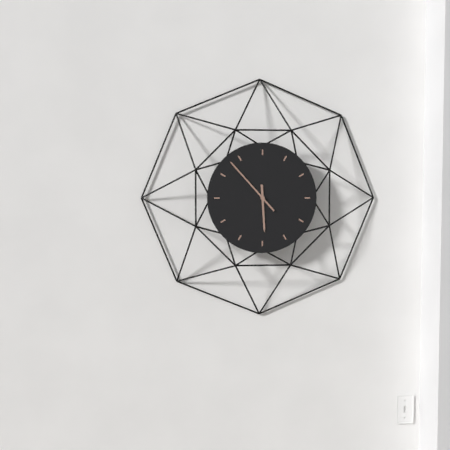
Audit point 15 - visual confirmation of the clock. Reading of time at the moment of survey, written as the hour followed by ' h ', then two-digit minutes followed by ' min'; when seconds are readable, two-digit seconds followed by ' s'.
5 h 53 min
